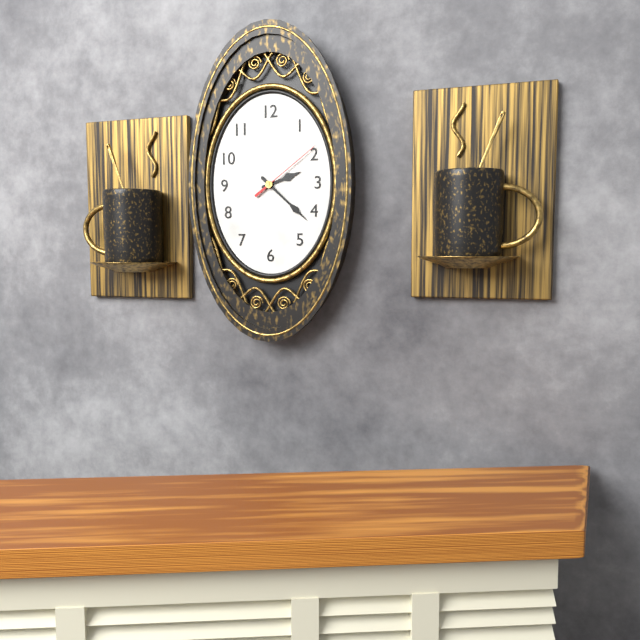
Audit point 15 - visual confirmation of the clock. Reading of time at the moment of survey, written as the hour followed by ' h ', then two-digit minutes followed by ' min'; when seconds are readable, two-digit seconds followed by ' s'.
2 h 22 min 09 s
